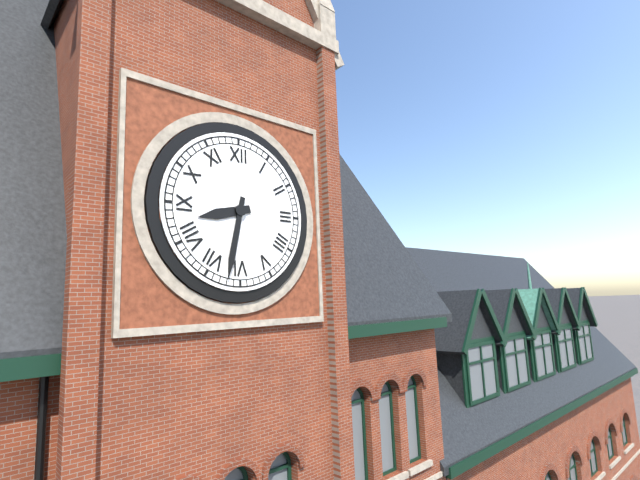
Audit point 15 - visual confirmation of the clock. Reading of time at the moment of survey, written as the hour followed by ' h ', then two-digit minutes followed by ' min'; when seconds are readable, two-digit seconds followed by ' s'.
8 h 32 min
